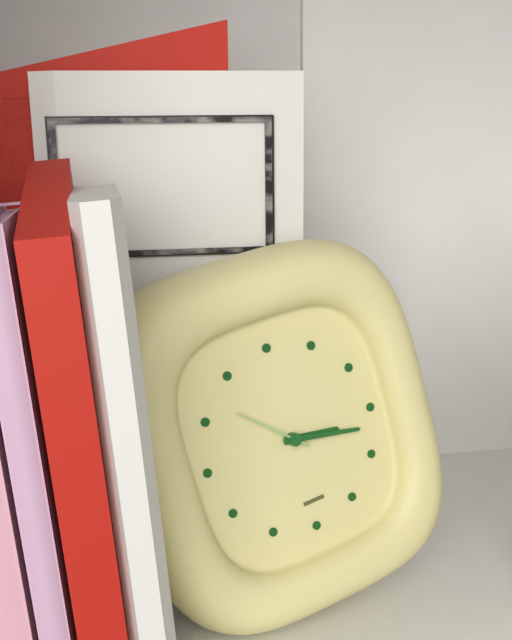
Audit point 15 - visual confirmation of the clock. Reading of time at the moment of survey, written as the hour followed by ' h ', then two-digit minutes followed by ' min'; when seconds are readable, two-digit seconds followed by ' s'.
3 h 17 min 52 s
